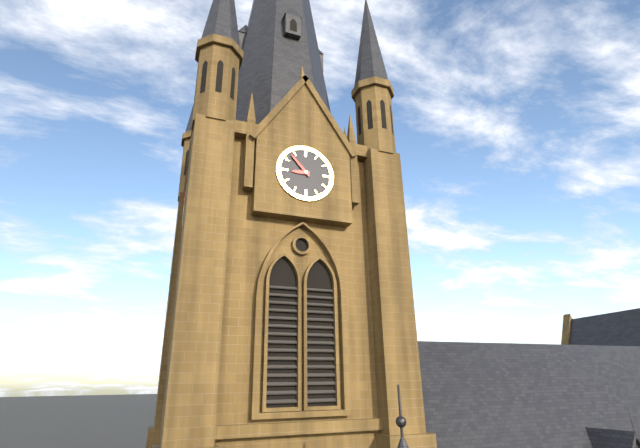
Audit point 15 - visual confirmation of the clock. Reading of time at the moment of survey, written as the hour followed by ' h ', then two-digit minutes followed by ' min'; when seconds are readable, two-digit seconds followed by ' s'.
8 h 53 min
